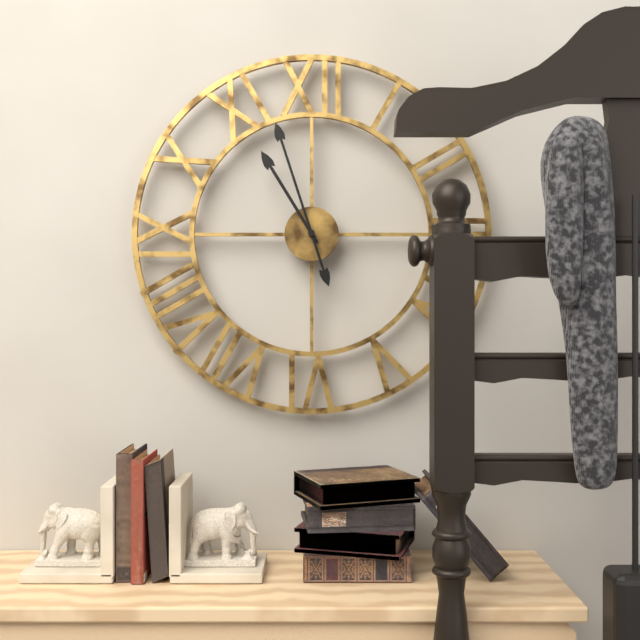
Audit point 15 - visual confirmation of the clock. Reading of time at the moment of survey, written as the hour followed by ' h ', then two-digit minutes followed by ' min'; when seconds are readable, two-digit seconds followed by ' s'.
10 h 57 min
